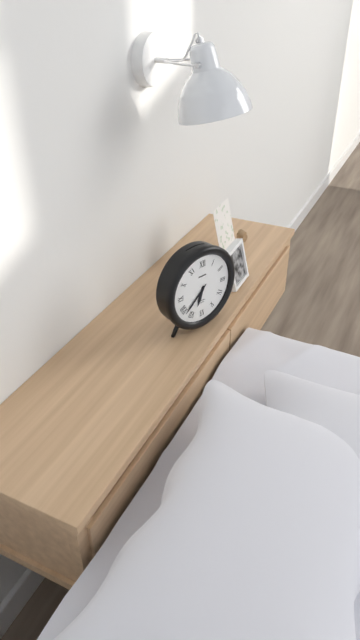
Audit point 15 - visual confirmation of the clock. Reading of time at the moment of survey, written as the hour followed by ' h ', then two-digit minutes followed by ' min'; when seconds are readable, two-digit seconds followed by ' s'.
6 h 38 min
